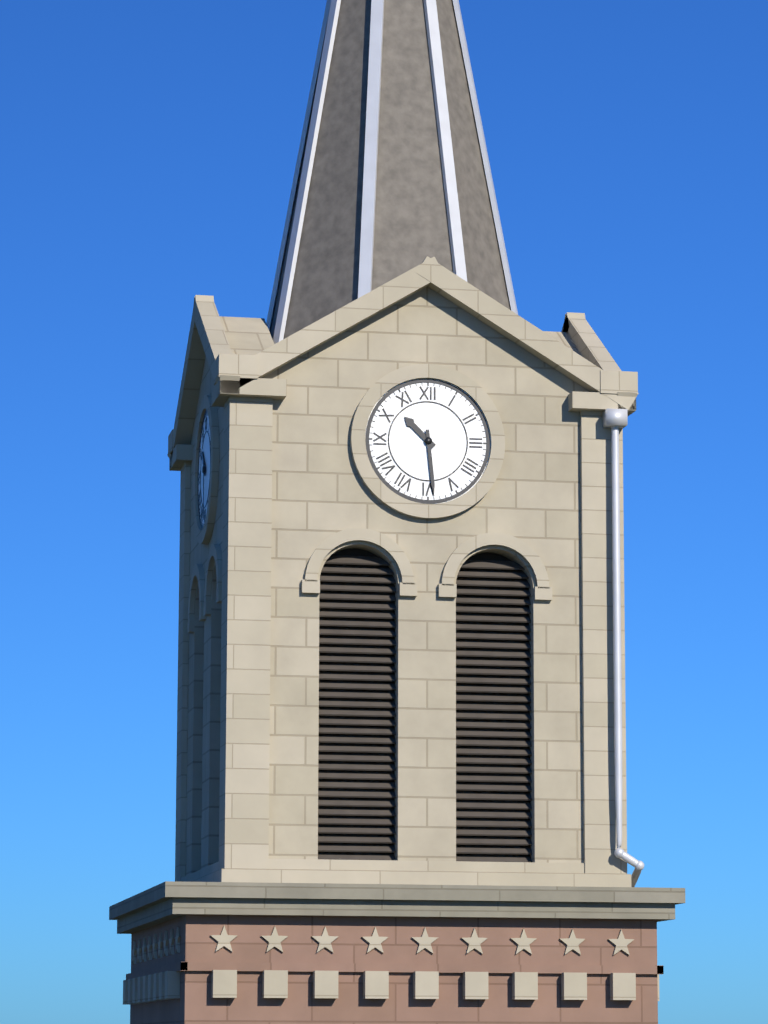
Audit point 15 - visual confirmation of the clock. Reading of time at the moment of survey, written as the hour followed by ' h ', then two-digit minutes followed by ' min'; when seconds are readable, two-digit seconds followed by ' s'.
10 h 29 min
